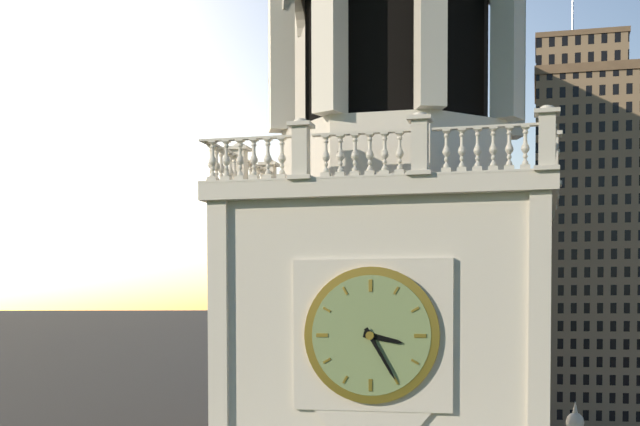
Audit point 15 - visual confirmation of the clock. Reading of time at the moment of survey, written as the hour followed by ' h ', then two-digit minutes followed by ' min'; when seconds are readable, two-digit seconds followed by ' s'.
3 h 25 min
